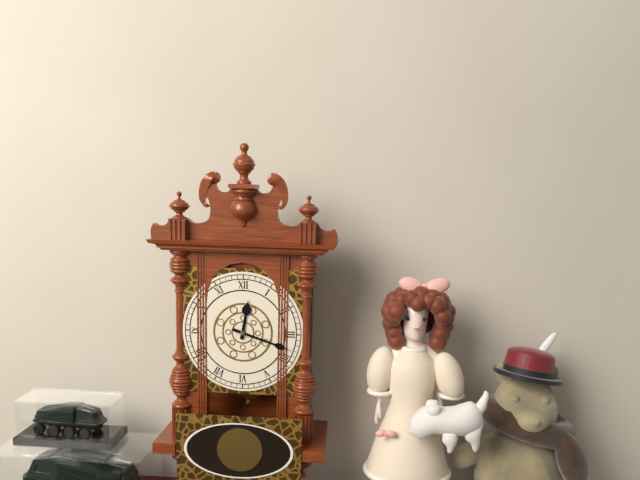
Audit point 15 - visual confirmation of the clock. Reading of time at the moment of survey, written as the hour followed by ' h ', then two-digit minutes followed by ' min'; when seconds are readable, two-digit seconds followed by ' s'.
12 h 18 min
